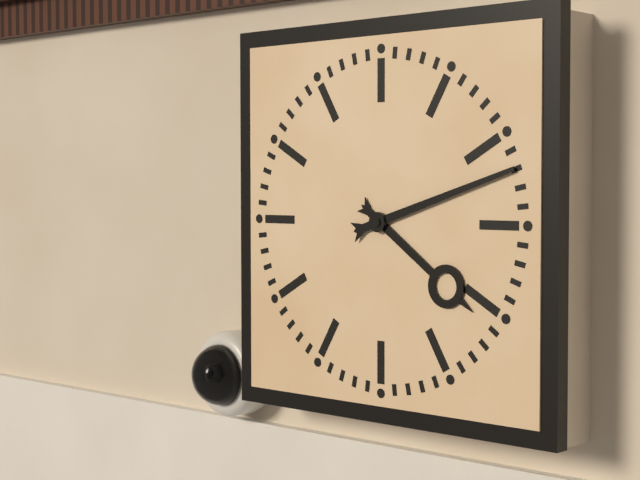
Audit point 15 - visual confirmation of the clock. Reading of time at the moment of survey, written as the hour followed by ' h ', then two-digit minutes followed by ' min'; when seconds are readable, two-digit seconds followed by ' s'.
4 h 12 min
